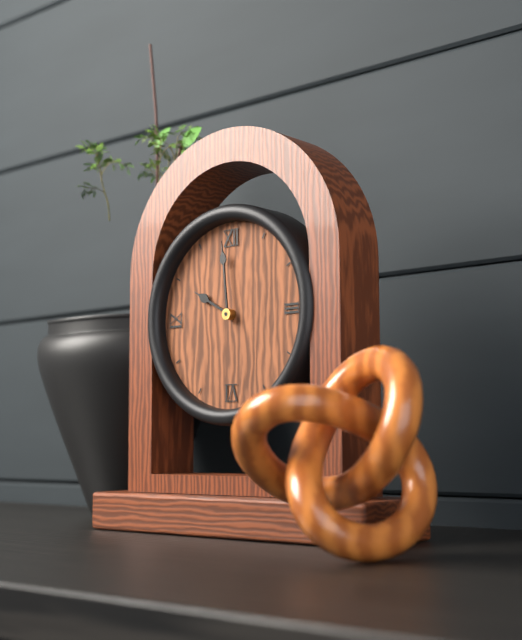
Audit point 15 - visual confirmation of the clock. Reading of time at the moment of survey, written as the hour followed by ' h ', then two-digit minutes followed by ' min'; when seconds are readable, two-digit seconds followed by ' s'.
9 h 59 min
